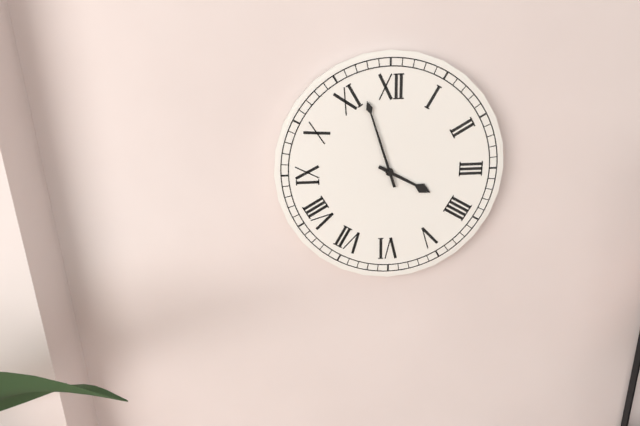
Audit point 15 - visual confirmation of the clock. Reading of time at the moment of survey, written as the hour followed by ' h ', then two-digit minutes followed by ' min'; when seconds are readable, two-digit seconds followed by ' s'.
3 h 57 min
